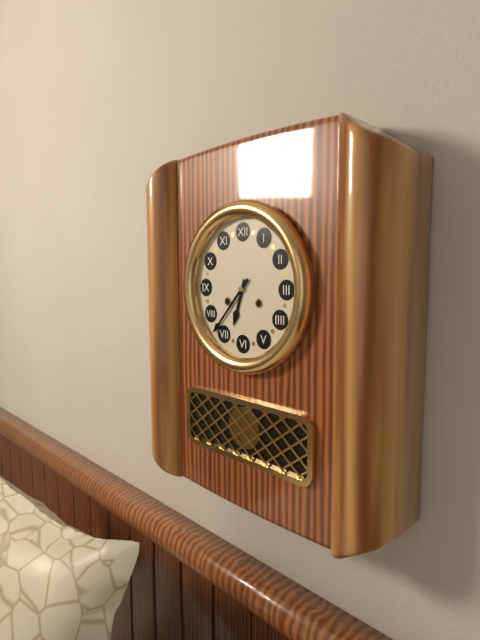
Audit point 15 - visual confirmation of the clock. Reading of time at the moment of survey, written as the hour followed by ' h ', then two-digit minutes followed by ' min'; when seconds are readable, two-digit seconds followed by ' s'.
6 h 37 min
